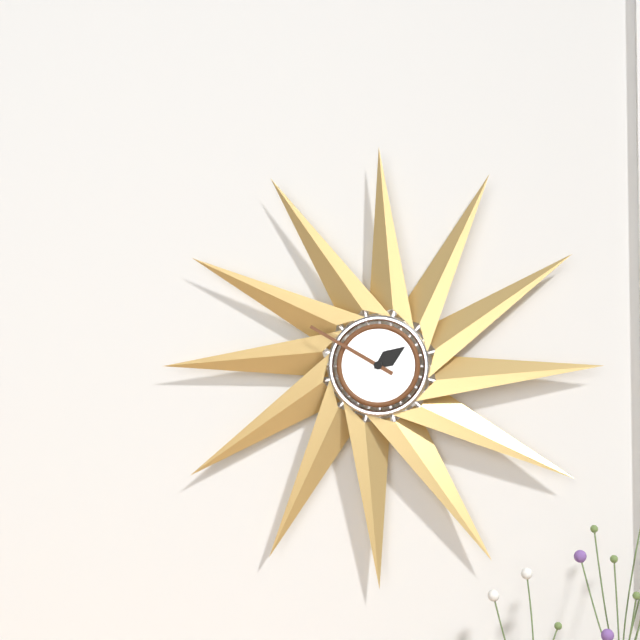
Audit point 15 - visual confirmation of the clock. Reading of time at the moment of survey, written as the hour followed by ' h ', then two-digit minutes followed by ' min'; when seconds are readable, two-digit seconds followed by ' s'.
1 h 50 min
